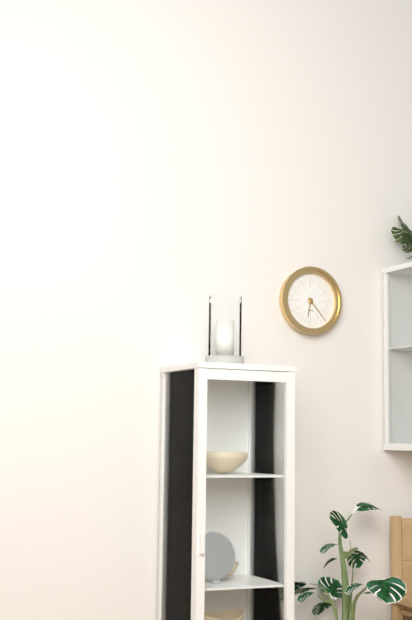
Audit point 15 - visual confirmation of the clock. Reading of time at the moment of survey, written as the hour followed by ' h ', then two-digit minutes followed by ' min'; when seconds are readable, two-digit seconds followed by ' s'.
6 h 23 min
